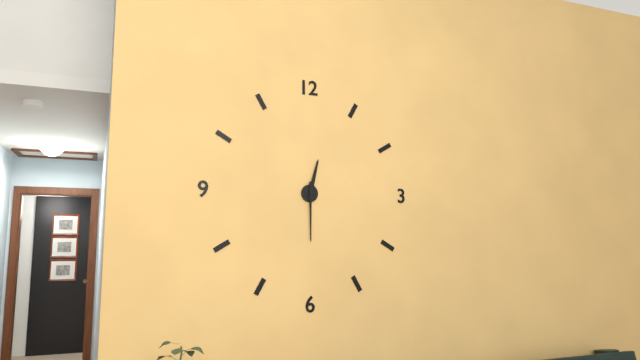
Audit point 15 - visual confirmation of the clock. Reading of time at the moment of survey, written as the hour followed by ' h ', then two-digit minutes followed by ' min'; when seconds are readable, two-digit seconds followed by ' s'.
12 h 30 min
